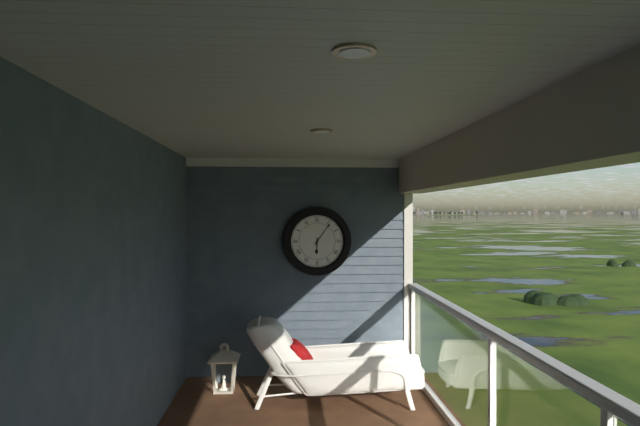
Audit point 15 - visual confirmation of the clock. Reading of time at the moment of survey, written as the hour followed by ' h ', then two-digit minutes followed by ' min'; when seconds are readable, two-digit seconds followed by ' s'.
6 h 06 min
